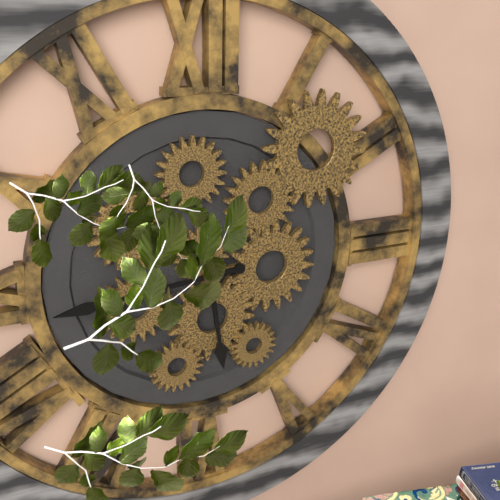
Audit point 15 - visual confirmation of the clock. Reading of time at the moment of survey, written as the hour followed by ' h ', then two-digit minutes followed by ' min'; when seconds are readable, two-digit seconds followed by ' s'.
5 h 44 min
